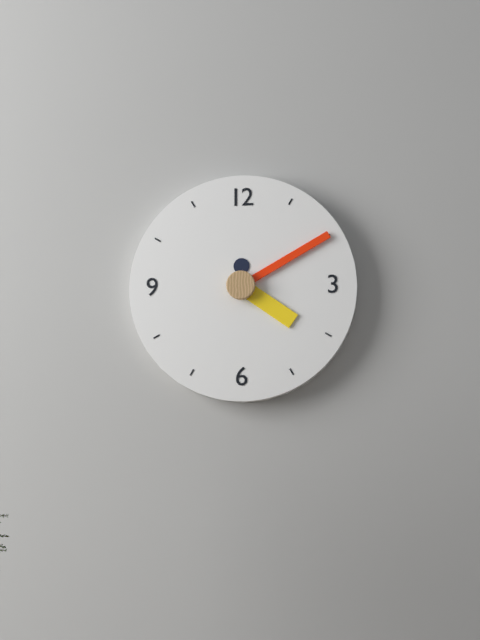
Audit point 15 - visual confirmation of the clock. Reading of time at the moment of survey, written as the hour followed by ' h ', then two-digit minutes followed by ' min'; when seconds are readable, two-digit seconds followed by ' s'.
4 h 10 min
